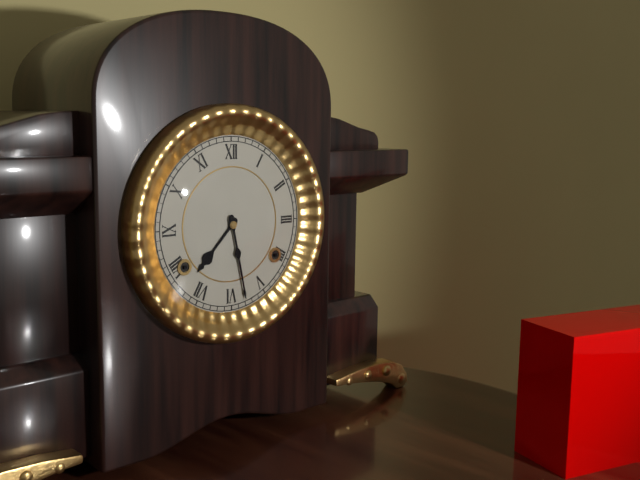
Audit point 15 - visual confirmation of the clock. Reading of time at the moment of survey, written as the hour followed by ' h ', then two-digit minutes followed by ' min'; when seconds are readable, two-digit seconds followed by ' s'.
7 h 28 min
